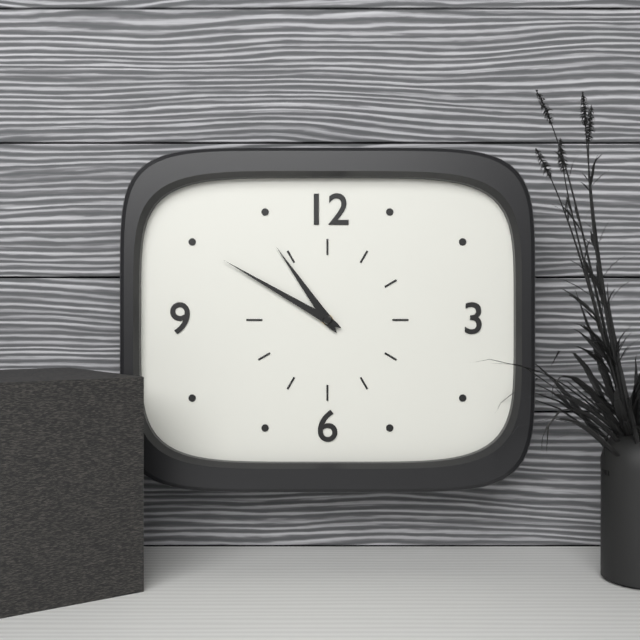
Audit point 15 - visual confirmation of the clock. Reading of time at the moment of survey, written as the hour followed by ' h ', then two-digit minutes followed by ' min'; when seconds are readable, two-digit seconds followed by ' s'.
10 h 50 min
